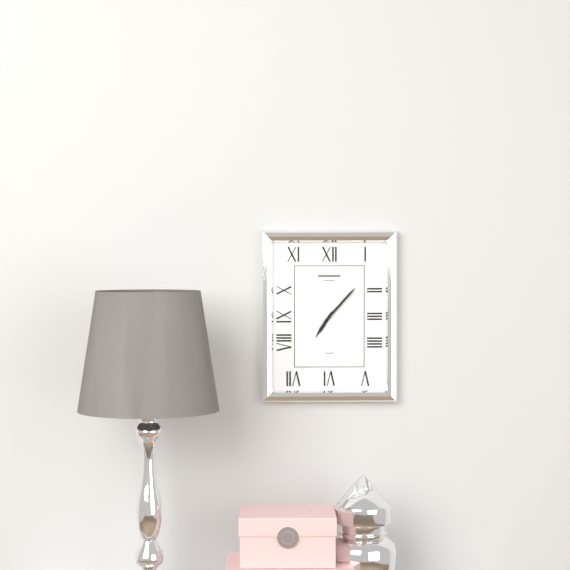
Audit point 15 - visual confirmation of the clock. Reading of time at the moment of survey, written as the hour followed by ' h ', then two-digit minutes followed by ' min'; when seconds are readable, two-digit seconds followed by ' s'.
7 h 07 min
